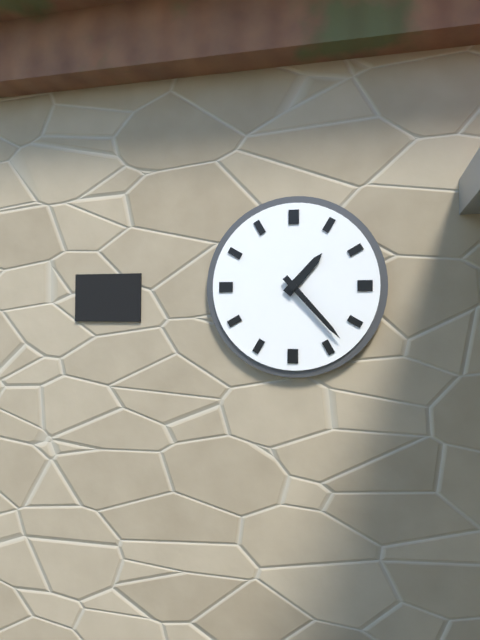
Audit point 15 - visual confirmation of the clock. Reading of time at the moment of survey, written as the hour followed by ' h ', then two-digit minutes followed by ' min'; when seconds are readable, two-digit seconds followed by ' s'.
1 h 23 min
